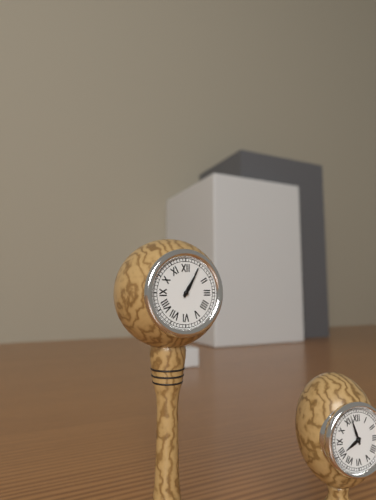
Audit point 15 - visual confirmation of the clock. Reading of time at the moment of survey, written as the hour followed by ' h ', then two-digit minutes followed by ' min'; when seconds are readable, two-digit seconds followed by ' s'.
1 h 05 min
